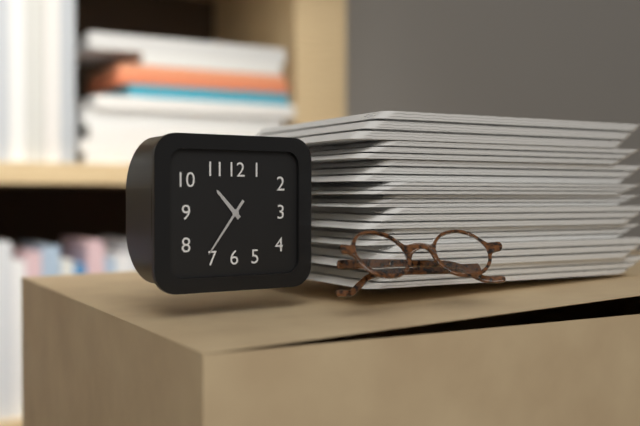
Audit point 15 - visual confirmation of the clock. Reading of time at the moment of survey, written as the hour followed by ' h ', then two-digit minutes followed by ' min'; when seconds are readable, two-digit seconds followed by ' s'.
10 h 36 min
